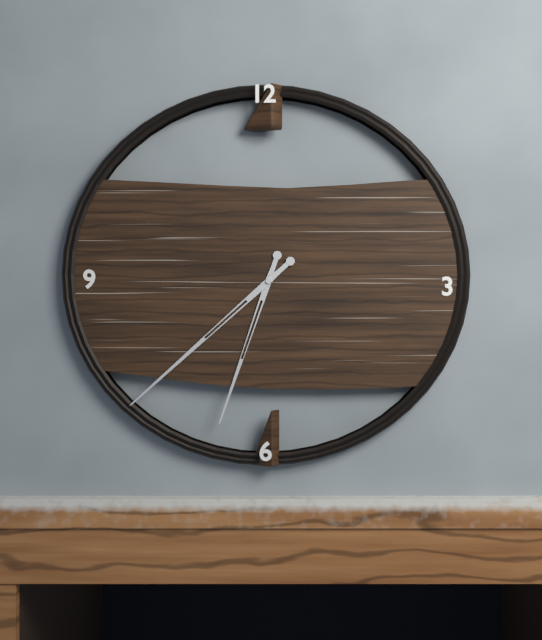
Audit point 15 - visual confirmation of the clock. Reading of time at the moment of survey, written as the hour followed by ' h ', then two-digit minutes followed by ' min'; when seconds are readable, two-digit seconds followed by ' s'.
6 h 38 min
